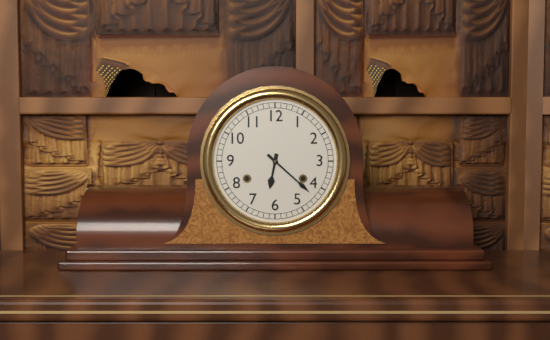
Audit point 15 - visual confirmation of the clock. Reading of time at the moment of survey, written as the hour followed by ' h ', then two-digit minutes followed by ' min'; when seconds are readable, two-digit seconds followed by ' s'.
6 h 22 min
